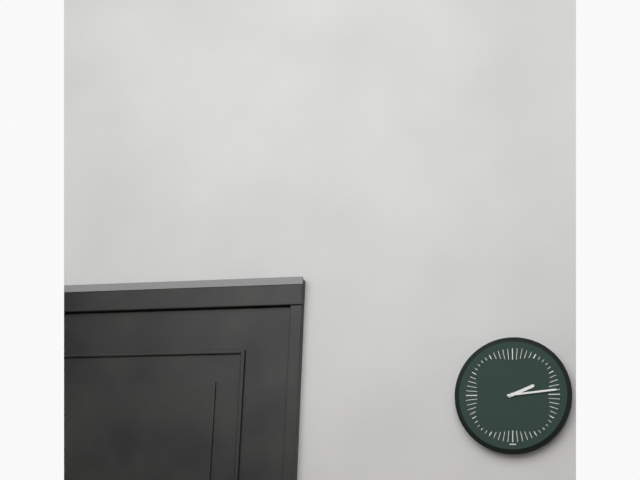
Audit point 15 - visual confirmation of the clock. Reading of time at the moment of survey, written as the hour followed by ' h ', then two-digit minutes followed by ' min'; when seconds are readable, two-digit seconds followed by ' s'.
2 h 14 min
